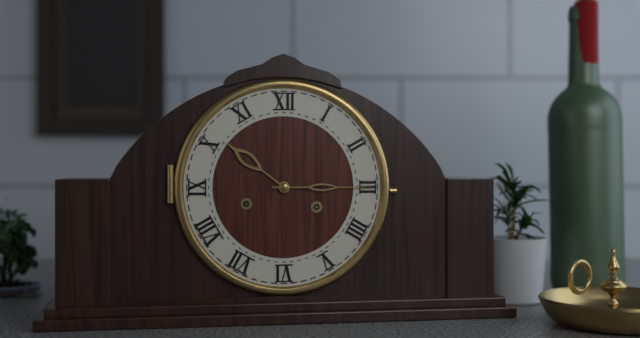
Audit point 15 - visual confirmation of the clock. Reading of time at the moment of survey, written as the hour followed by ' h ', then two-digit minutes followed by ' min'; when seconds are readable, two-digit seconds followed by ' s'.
10 h 15 min
